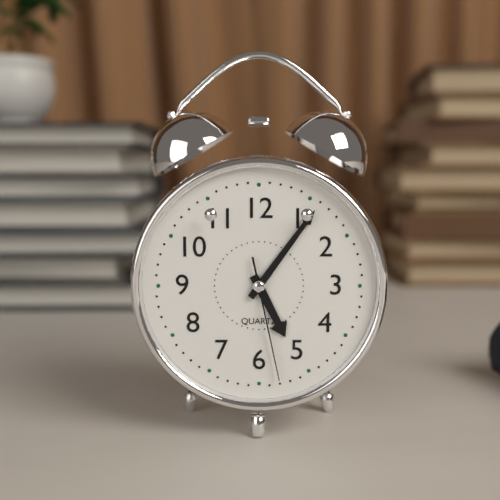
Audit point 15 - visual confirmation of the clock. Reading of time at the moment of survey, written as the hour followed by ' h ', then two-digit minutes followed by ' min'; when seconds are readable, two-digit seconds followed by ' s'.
5 h 06 min 28 s
